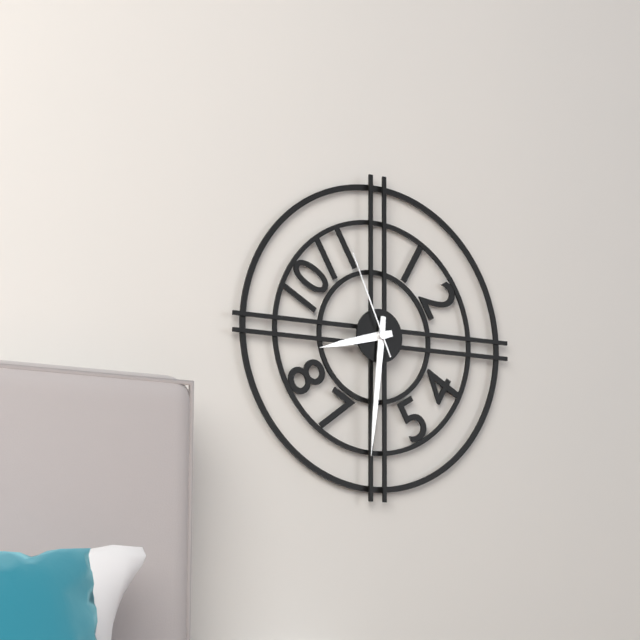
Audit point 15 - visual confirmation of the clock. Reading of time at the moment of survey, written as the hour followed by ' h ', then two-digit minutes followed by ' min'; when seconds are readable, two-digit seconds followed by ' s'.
8 h 31 min 56 s
